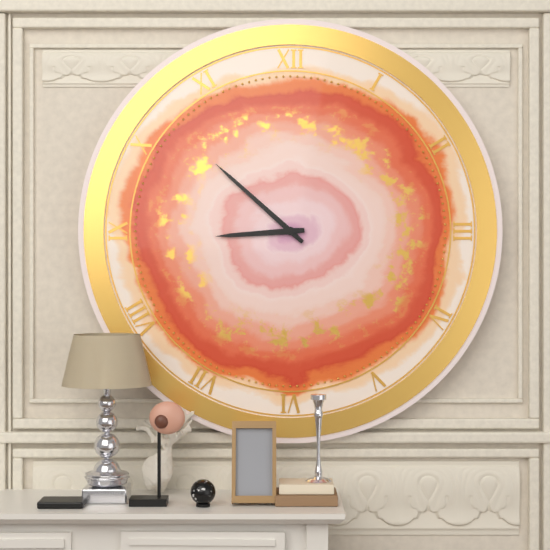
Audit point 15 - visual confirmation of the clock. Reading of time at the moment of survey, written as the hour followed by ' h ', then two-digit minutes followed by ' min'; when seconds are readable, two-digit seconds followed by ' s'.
8 h 52 min
